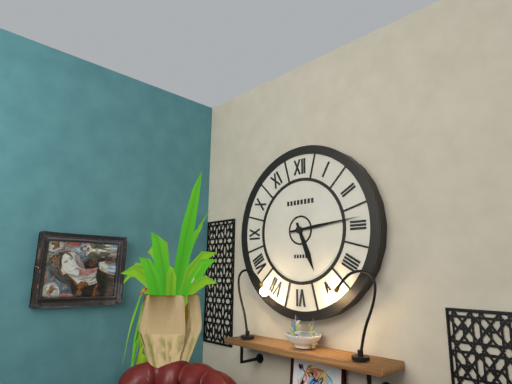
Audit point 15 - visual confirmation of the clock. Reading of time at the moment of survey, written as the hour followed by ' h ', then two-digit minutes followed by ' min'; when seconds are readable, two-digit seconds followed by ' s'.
5 h 14 min
